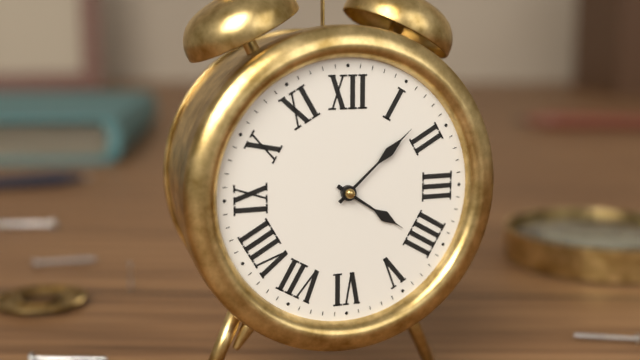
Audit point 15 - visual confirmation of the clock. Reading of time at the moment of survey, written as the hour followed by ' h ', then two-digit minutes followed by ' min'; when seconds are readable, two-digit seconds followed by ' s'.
4 h 08 min
